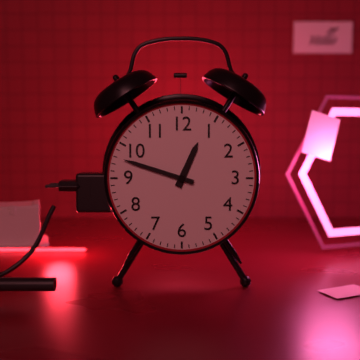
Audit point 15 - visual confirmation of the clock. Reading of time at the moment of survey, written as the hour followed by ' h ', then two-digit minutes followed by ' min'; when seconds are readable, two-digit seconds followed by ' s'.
12 h 48 min
